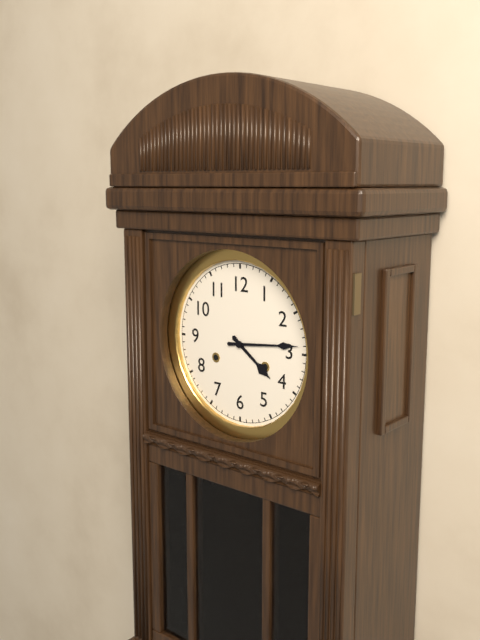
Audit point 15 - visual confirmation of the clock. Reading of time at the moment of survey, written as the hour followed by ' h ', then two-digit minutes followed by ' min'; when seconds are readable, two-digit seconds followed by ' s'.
4 h 14 min
